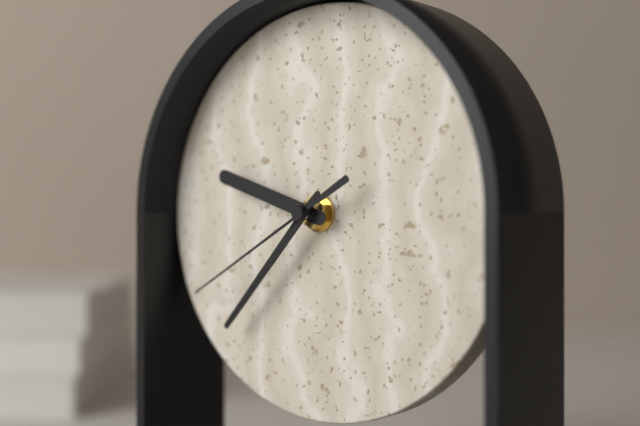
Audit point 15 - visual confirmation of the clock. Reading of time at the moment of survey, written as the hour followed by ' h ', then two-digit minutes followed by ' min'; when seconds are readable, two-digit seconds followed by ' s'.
9 h 37 min 40 s
